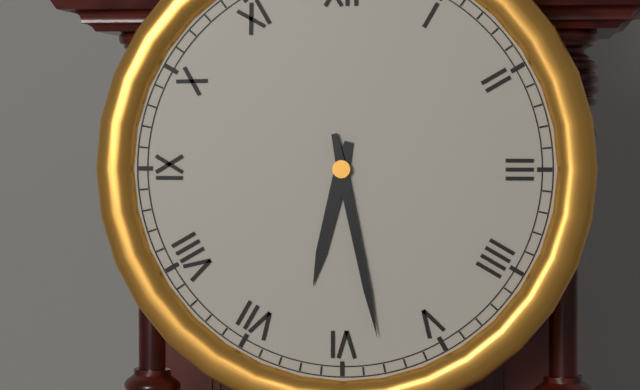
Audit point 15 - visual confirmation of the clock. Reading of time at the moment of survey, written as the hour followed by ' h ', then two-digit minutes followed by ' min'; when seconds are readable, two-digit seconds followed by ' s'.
6 h 28 min
